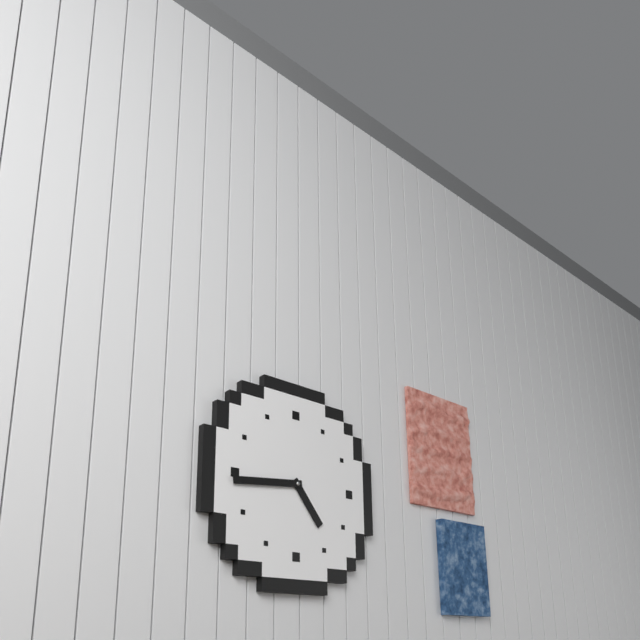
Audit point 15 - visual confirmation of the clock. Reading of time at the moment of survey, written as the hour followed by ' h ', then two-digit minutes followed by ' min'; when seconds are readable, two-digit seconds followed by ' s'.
4 h 44 min
